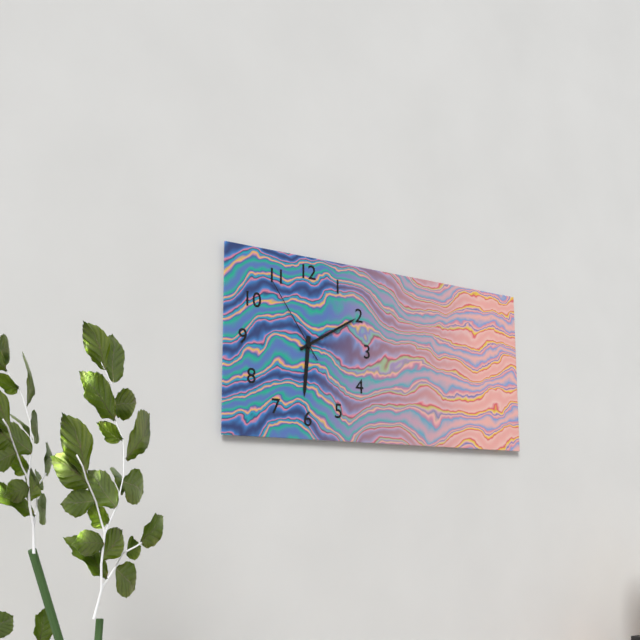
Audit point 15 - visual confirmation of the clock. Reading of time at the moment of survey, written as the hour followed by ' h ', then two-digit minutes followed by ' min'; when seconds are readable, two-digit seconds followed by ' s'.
6 h 10 min 54 s
